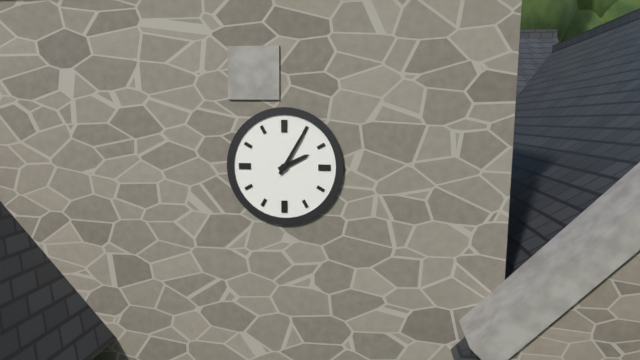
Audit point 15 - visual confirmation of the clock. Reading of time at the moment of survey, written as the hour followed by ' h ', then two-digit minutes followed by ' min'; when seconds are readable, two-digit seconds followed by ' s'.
2 h 05 min
